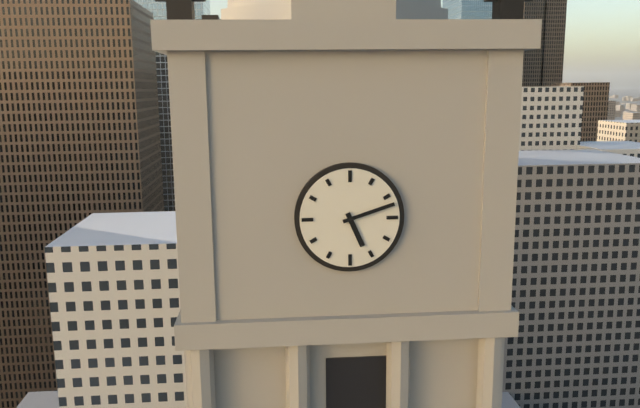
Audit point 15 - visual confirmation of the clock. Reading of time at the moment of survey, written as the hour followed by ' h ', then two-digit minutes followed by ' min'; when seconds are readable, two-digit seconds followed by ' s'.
5 h 12 min
